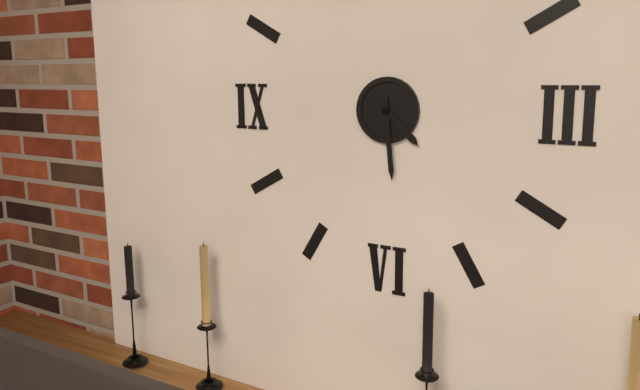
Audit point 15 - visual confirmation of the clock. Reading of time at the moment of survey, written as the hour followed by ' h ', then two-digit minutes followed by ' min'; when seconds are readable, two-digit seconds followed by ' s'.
4 h 29 min
